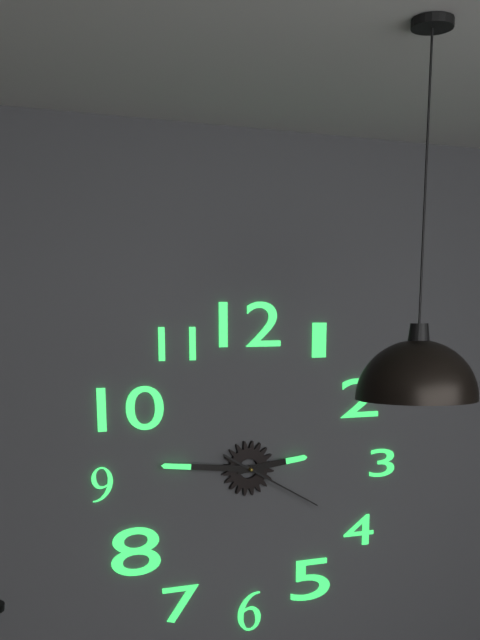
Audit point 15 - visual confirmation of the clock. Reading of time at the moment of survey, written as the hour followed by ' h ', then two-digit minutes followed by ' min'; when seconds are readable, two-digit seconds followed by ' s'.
2 h 46 min 20 s
